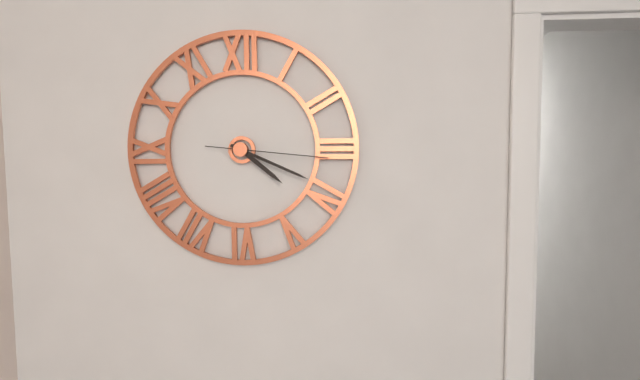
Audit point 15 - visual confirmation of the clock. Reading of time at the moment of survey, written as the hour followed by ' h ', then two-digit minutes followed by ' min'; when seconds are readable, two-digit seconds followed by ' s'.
4 h 19 min 16 s
